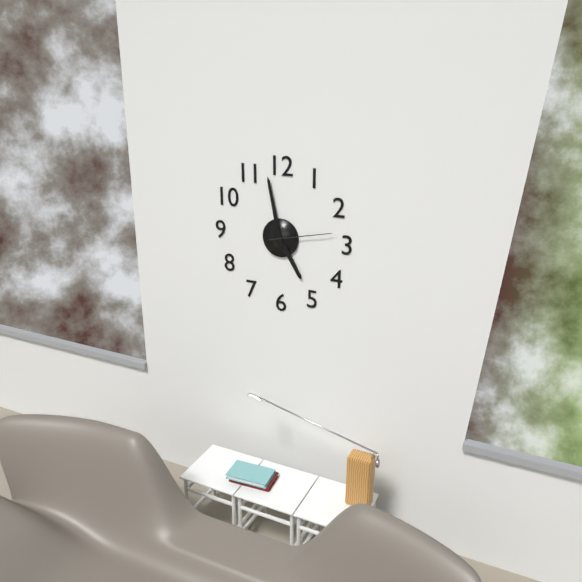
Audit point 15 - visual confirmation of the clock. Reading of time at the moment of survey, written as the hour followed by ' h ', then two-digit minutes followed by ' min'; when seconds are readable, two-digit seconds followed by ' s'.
4 h 58 min 13 s
